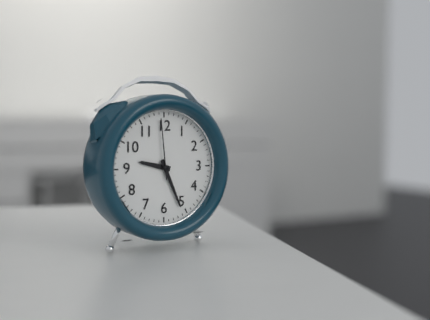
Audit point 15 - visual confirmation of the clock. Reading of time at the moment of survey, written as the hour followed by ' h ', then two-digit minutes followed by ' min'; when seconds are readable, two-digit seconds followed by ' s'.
9 h 26 min 59 s
